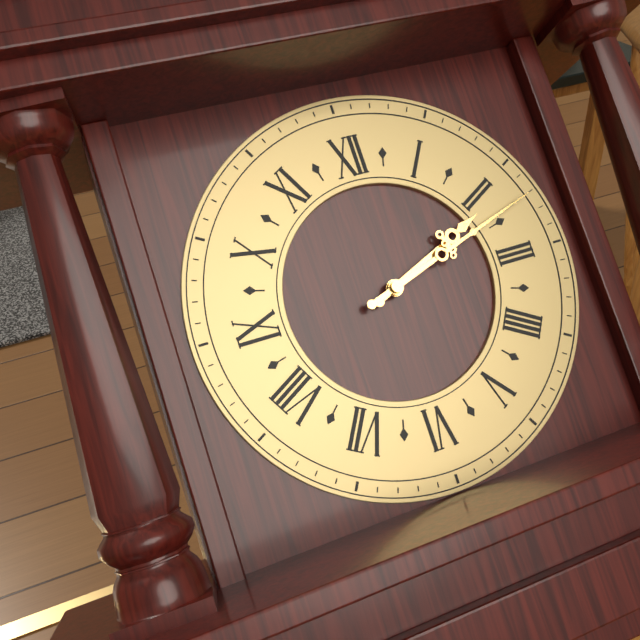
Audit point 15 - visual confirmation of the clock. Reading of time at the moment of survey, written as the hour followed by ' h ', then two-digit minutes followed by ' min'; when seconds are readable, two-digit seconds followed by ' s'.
2 h 12 min
